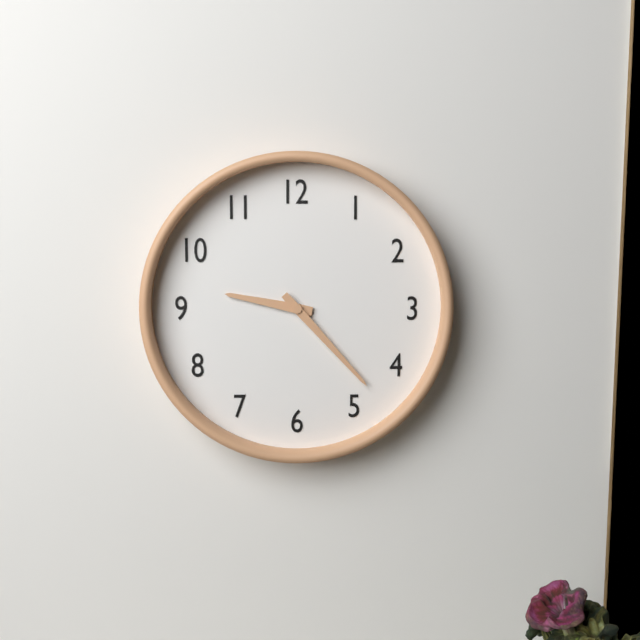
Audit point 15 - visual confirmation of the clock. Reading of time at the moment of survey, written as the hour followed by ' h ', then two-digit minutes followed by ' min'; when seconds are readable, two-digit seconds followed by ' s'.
9 h 23 min
